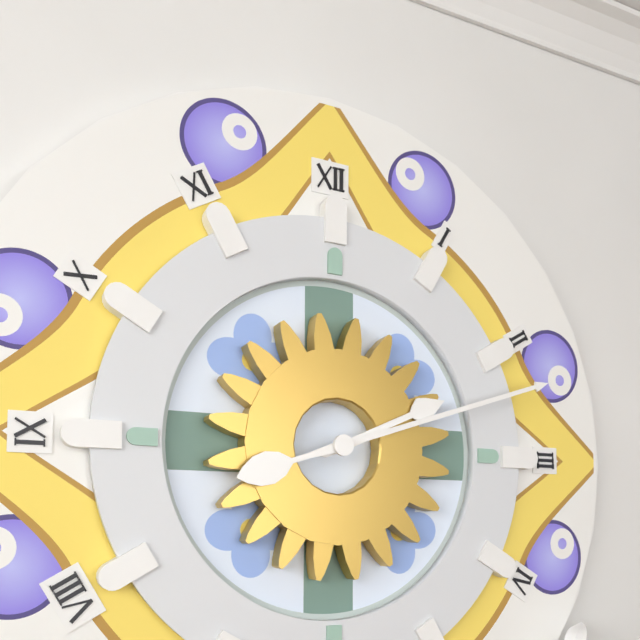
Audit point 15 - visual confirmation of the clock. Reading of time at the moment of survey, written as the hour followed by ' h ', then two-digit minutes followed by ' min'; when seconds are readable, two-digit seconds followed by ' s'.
2 h 12 min
